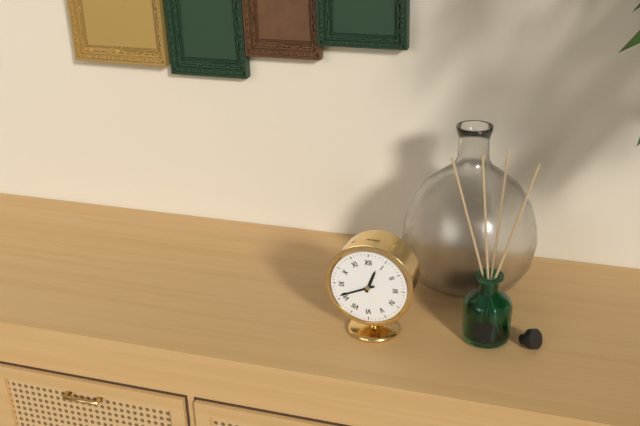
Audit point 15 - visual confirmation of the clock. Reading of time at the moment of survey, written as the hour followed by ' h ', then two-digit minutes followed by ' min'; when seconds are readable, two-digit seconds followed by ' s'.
12 h 41 min
